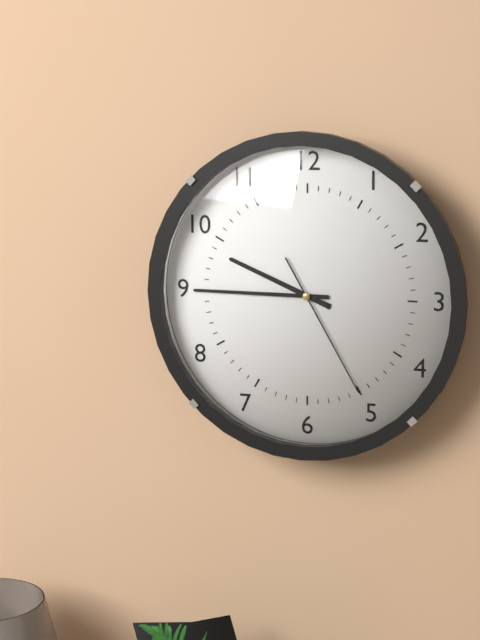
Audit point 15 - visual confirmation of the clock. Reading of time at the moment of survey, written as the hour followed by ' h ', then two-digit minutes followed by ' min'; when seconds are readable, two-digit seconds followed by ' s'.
9 h 45 min 25 s
